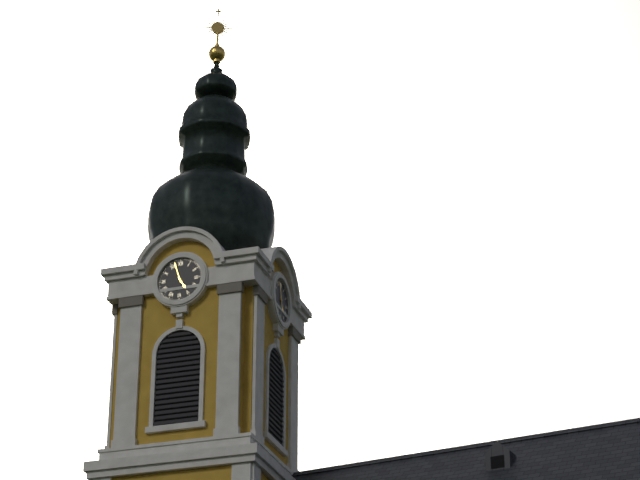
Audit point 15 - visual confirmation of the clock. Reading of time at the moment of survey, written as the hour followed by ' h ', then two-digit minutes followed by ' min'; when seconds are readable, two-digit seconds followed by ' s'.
4 h 57 min
